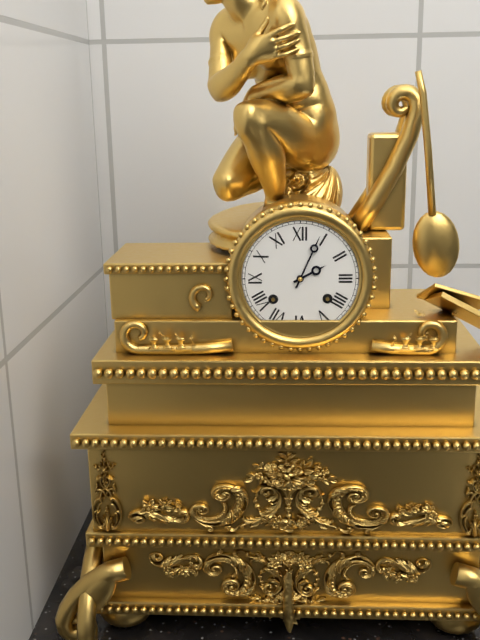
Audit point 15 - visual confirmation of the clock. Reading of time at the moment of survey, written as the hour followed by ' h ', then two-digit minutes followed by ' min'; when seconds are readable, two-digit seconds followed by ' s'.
2 h 04 min
